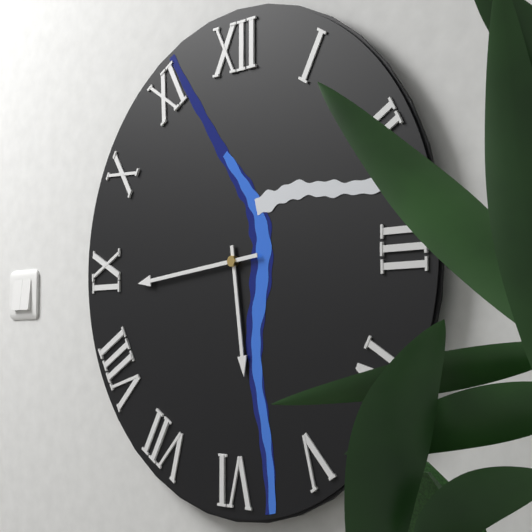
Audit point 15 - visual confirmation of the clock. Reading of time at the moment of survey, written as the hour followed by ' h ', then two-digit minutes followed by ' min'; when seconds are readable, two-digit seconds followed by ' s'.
5 h 44 min
